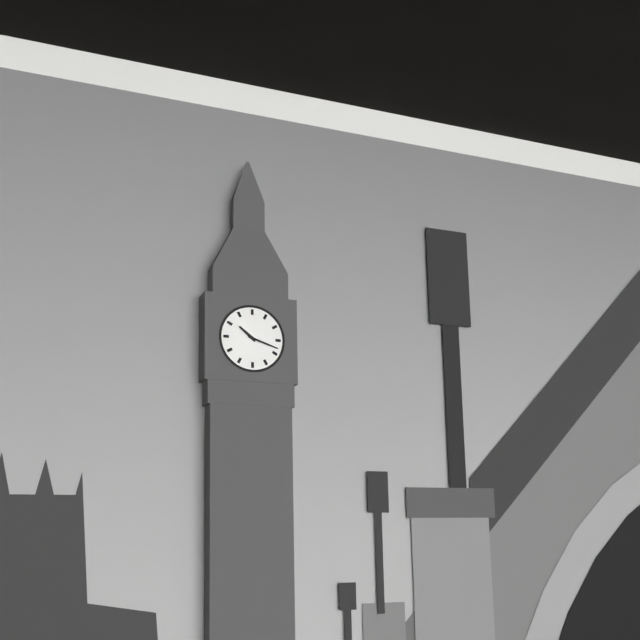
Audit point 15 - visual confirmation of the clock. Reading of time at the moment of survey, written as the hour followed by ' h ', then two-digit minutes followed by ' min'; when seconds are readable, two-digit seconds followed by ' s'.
10 h 18 min
